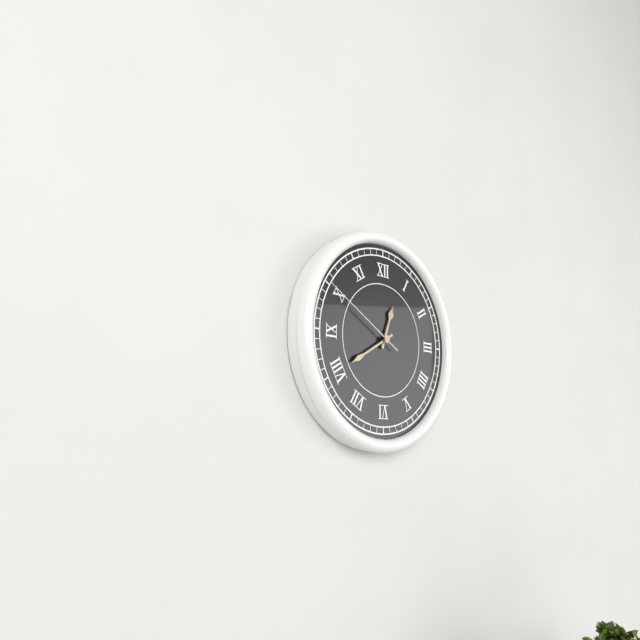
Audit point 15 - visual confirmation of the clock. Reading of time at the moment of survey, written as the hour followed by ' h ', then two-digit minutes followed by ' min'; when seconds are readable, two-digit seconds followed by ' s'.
12 h 40 min 50 s
